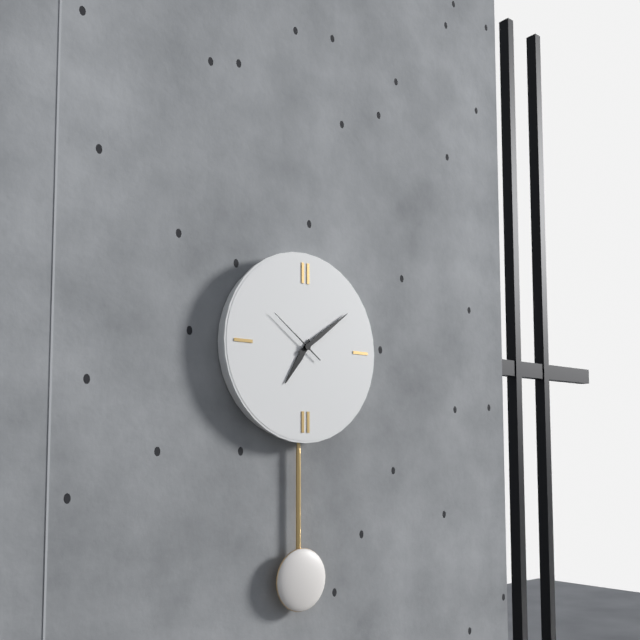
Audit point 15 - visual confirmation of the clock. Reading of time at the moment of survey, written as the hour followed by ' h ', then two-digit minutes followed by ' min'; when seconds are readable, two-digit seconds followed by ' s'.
7 h 09 min 51 s
